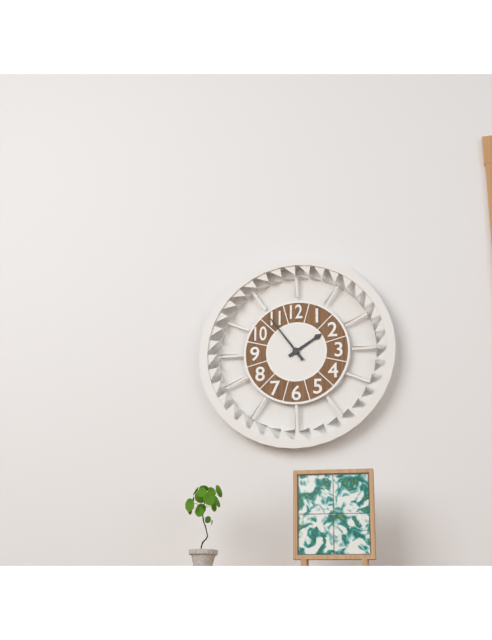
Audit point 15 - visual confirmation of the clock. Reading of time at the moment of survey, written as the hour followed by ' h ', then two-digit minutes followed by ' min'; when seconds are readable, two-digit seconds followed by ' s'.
1 h 54 min
